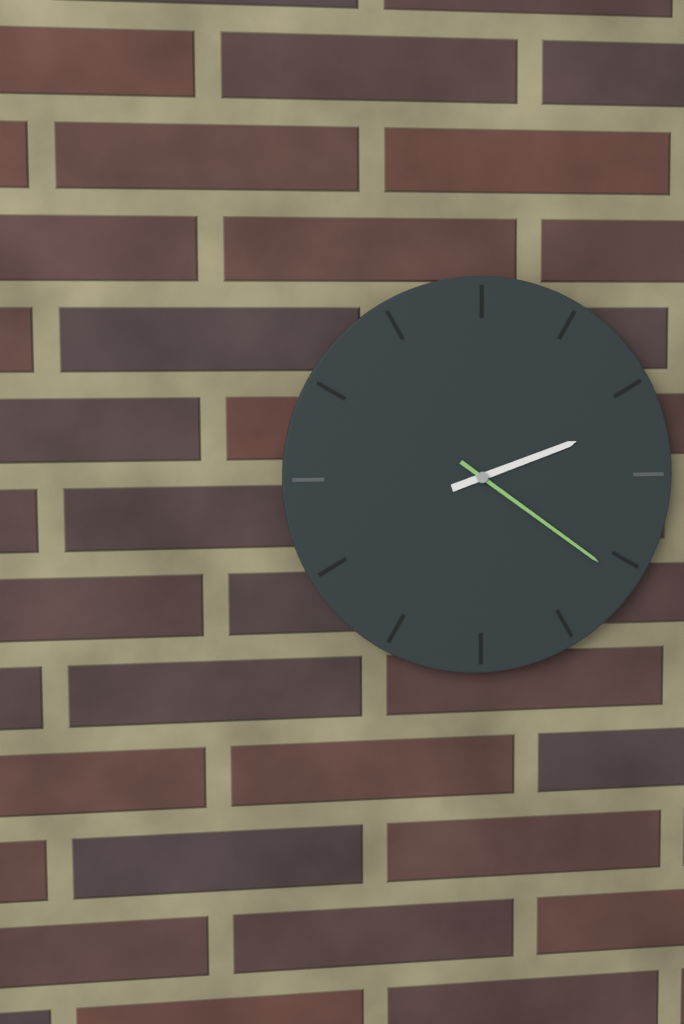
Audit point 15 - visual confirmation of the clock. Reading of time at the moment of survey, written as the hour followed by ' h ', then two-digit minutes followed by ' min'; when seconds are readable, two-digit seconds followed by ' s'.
2 h 21 min
